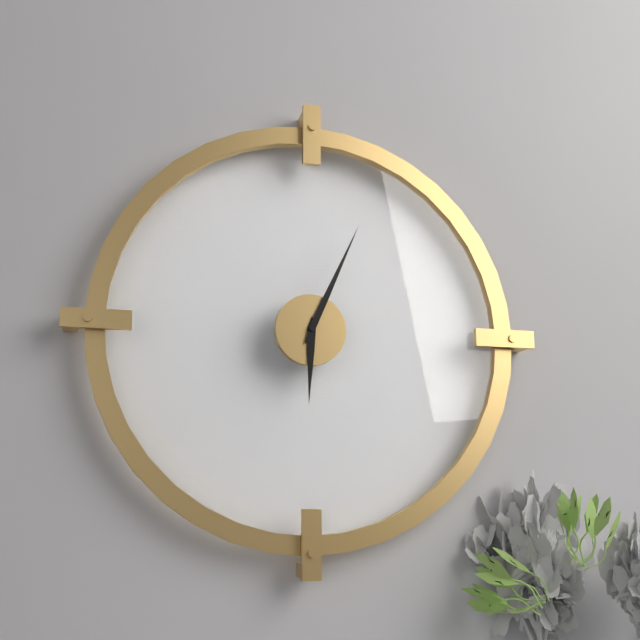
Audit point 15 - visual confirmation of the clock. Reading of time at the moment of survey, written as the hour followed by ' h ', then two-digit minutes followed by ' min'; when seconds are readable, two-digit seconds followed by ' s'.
6 h 04 min
